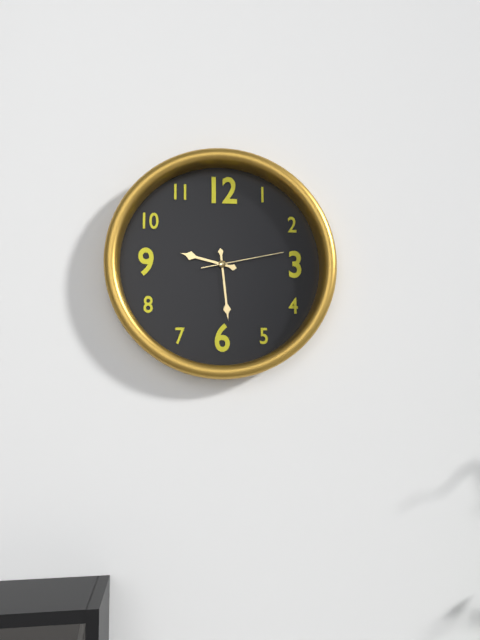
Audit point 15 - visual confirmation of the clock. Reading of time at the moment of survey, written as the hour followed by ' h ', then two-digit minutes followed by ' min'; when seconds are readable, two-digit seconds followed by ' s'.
9 h 29 min 13 s
